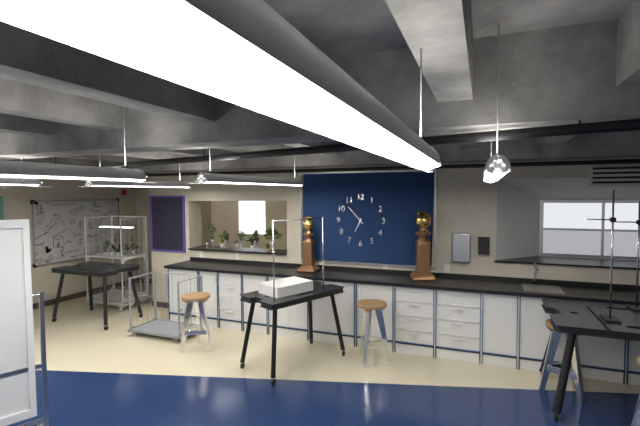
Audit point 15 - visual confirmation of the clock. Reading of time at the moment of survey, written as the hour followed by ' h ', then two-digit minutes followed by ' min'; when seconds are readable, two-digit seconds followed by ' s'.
6 h 53 min
